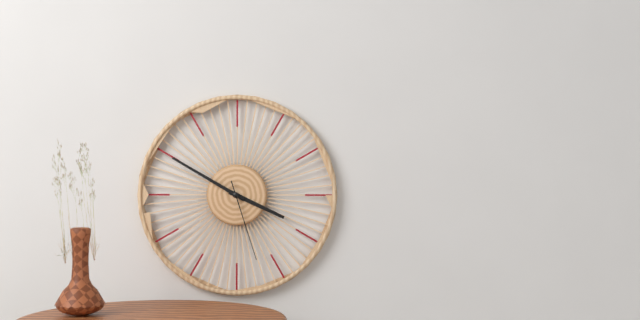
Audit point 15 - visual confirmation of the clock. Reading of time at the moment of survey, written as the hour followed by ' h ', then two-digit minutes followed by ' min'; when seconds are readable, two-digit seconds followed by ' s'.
3 h 50 min 27 s
